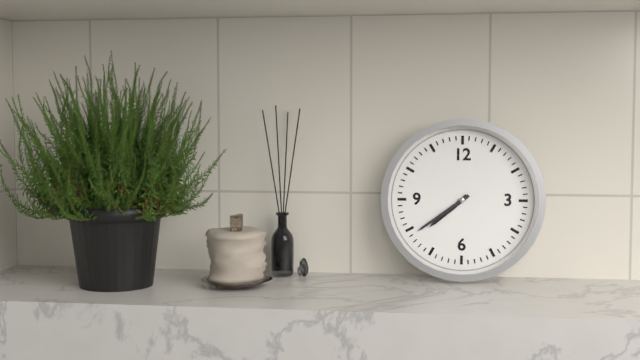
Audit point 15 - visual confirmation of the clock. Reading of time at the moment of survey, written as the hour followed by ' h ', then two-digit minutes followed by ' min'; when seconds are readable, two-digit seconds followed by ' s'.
7 h 39 min
